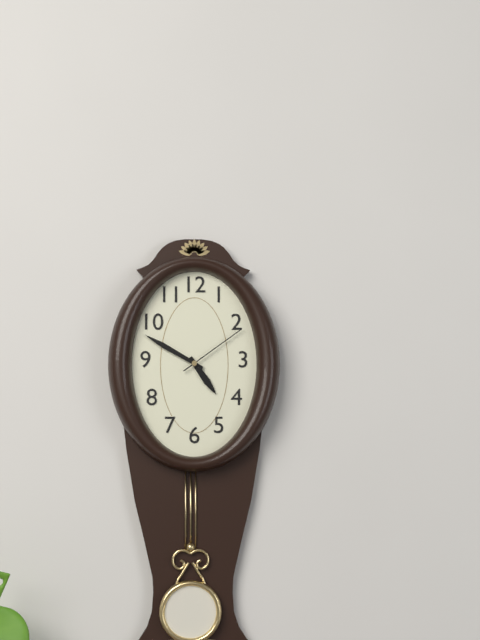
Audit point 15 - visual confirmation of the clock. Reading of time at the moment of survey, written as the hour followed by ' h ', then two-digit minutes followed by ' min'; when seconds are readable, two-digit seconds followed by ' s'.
4 h 50 min 09 s
